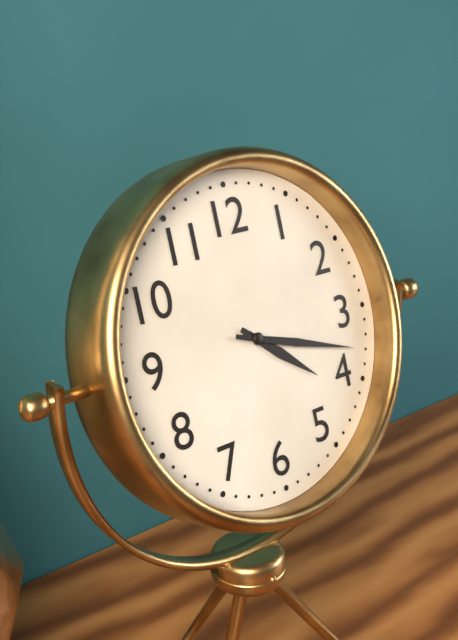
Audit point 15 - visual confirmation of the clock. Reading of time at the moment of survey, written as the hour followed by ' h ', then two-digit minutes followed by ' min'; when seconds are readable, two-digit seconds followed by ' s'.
4 h 18 min
